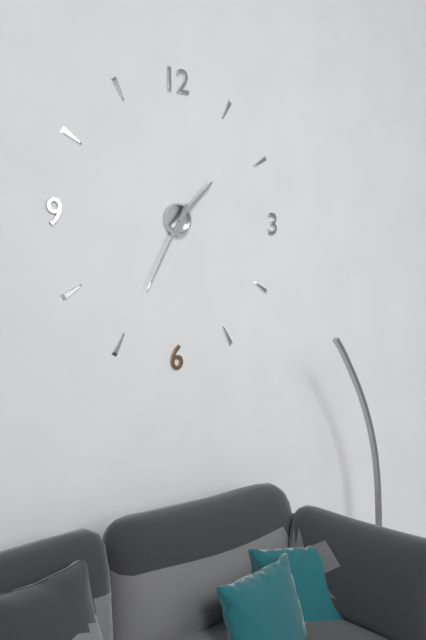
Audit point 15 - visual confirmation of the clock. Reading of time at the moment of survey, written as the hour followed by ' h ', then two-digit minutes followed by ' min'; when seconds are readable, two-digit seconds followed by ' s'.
1 h 35 min
